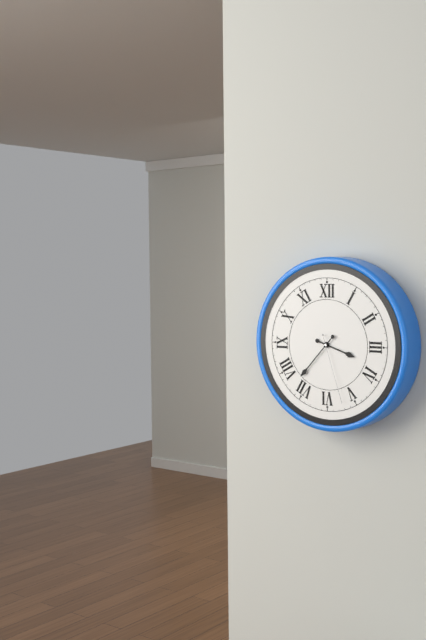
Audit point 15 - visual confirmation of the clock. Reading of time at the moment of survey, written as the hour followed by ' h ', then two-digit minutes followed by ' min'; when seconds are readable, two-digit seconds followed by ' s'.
3 h 37 min 27 s
